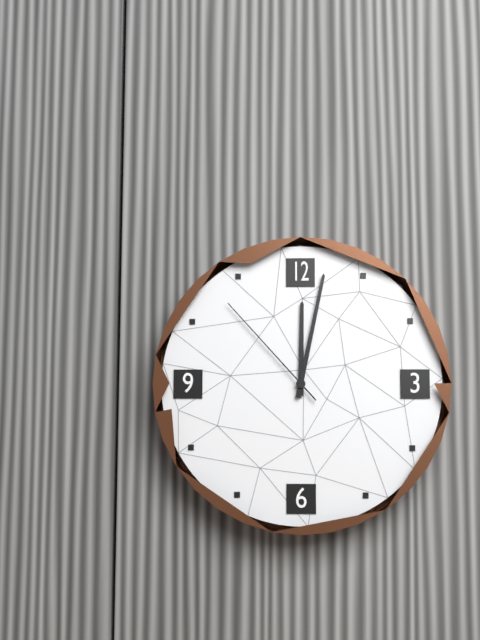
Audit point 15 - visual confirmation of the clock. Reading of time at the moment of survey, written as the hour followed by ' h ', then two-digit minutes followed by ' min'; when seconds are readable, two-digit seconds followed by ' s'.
12 h 02 min 53 s
